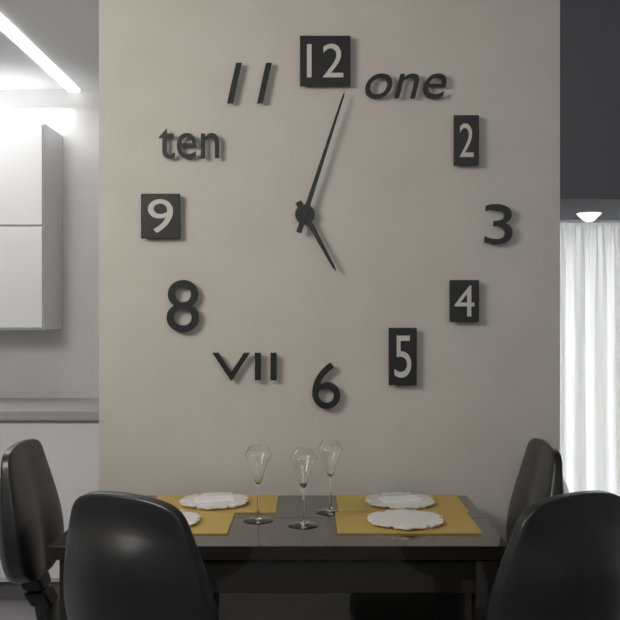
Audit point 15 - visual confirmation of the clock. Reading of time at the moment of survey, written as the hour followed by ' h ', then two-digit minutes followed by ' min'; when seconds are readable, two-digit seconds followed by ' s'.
5 h 03 min
